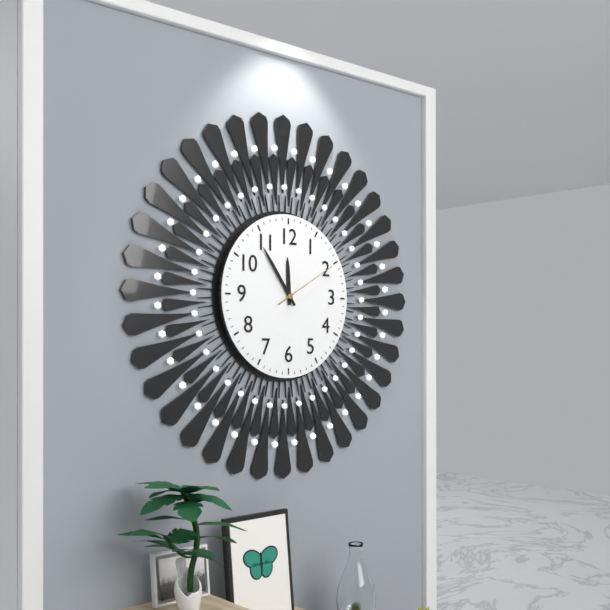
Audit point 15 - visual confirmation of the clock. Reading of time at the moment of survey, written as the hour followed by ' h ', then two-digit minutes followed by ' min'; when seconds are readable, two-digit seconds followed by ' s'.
11 h 54 min 10 s
